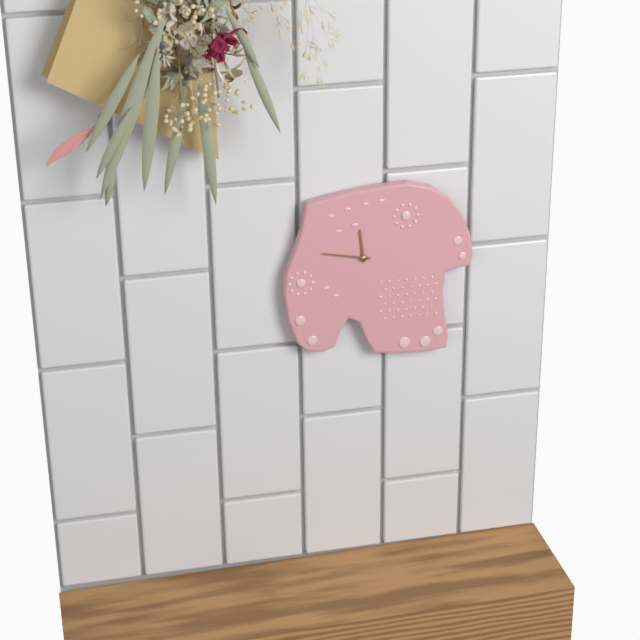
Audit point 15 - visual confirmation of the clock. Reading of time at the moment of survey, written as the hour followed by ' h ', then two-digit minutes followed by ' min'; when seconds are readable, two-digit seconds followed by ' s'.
11 h 47 min
